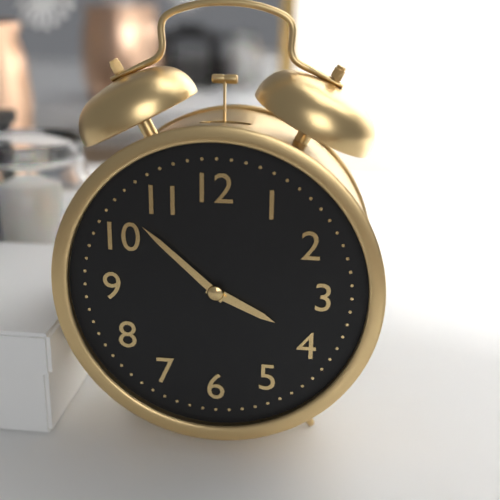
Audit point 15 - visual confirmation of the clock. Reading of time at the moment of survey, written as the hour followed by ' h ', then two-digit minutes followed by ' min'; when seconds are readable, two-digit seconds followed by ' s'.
3 h 52 min
